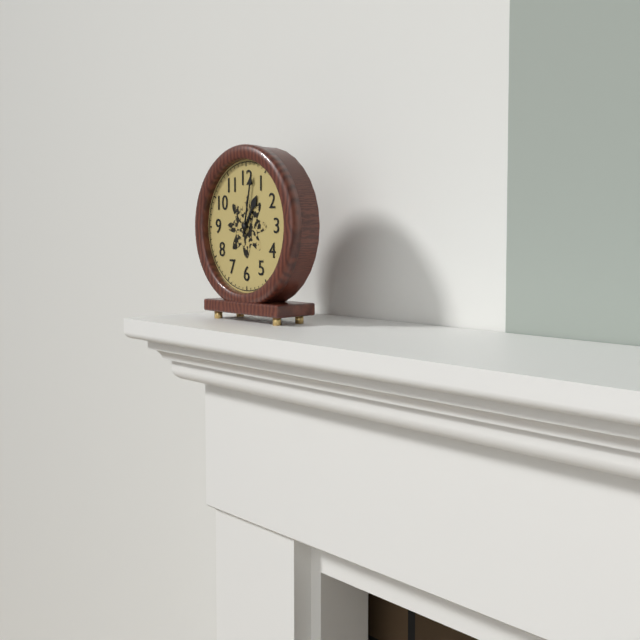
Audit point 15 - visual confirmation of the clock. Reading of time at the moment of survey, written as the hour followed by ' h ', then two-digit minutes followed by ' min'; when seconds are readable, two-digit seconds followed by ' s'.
1 h 02 min
